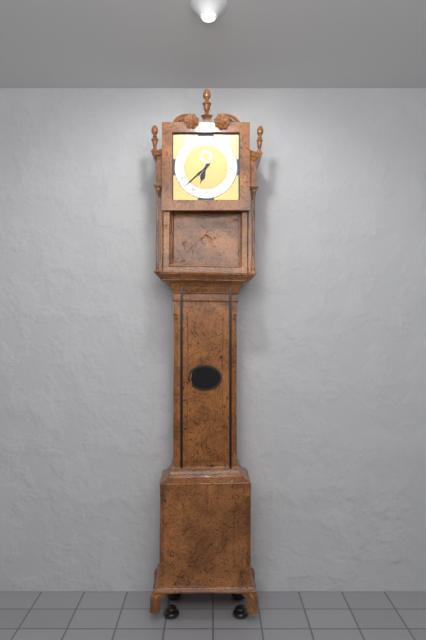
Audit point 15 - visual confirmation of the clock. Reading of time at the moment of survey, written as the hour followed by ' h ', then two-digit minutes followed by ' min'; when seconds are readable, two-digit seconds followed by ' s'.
6 h 38 min
